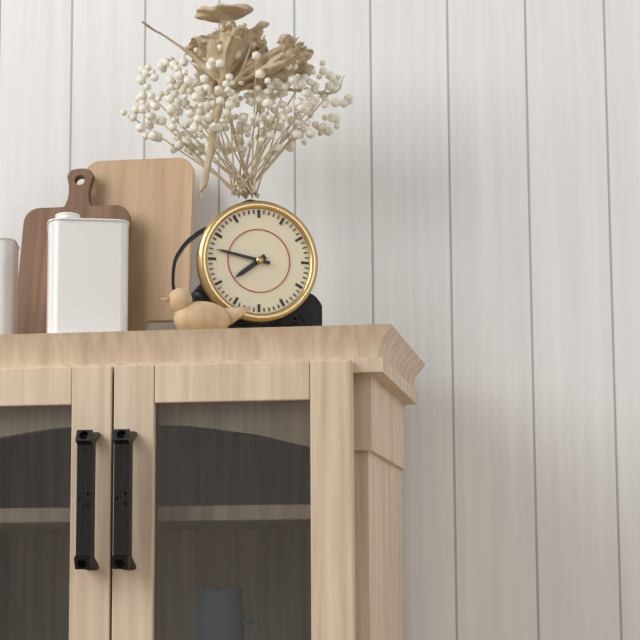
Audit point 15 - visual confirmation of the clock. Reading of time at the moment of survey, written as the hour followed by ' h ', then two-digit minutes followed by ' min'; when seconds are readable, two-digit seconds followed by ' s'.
7 h 47 min
